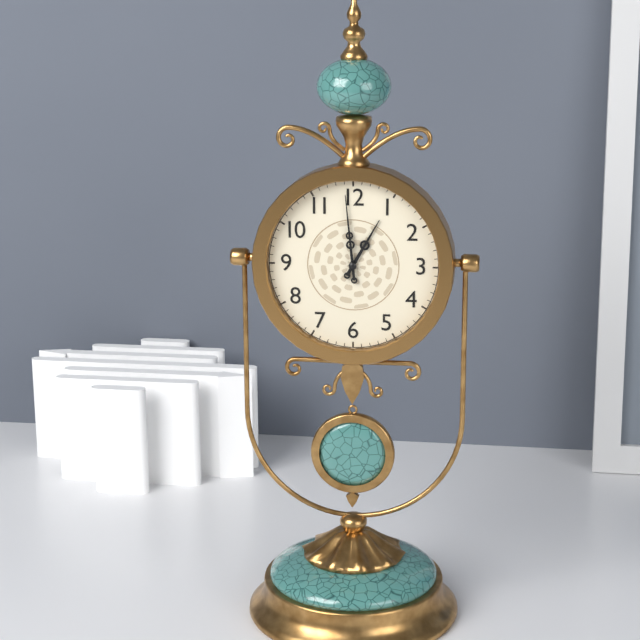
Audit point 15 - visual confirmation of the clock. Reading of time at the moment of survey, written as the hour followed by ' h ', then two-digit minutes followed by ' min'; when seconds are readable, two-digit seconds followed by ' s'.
12 h 59 min
